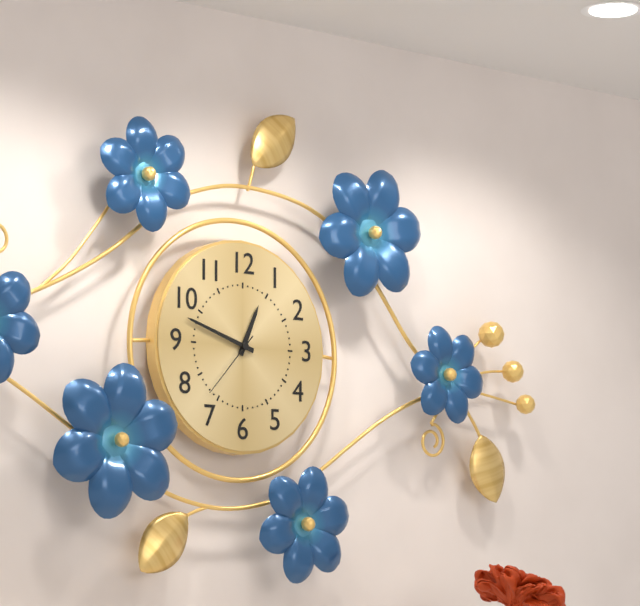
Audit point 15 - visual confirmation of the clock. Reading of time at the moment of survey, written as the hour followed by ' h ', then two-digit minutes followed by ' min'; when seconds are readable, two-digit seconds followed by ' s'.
12 h 48 min 37 s
